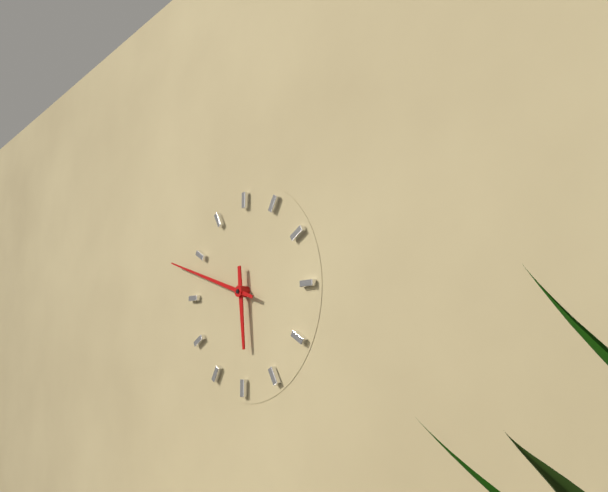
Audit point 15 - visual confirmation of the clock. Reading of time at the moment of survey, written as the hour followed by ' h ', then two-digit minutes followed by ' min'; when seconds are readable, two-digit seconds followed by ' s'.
5 h 48 min
